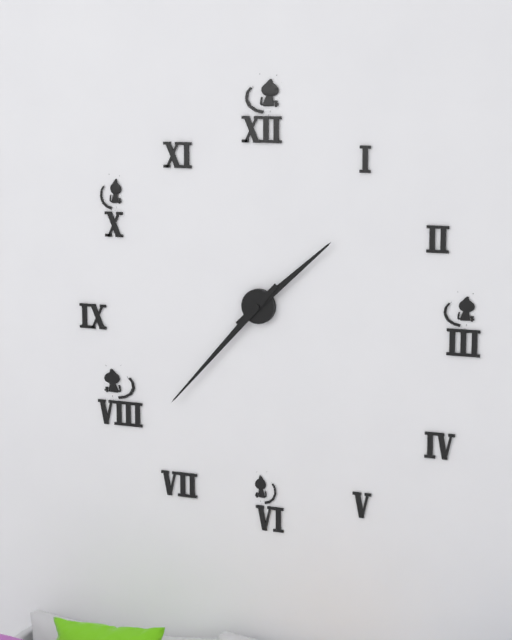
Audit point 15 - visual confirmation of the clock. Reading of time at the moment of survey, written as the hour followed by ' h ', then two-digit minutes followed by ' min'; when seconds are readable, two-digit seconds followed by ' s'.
1 h 37 min
